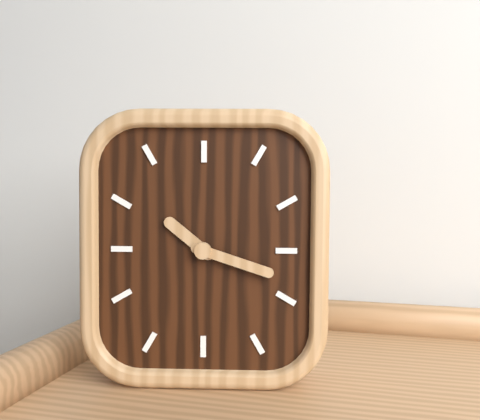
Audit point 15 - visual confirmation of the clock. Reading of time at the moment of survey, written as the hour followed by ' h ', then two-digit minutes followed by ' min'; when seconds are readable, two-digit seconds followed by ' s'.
10 h 18 min
